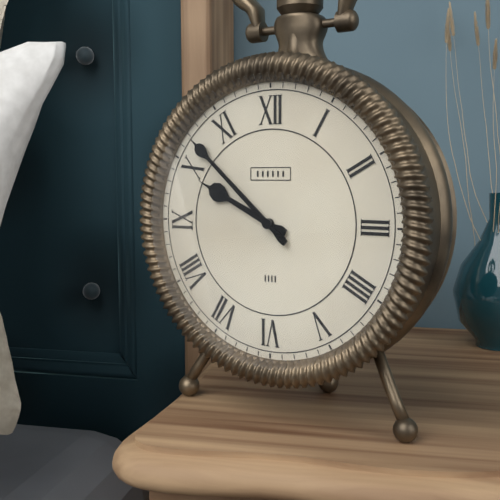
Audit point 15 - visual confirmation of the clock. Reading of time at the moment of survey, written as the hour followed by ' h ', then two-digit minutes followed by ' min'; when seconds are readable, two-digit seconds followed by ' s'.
9 h 52 min
